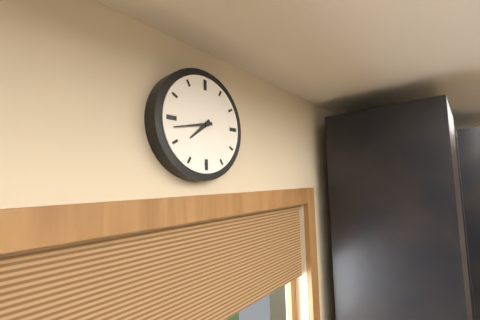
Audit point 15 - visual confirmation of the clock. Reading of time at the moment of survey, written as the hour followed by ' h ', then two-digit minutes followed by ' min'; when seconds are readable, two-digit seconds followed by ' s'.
7 h 43 min
